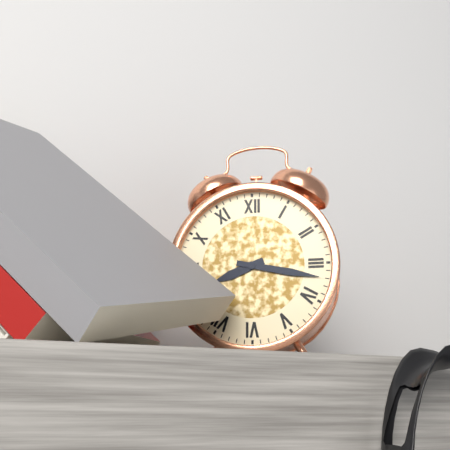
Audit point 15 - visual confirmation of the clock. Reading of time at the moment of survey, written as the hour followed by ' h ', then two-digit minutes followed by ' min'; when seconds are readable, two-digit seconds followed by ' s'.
8 h 17 min
